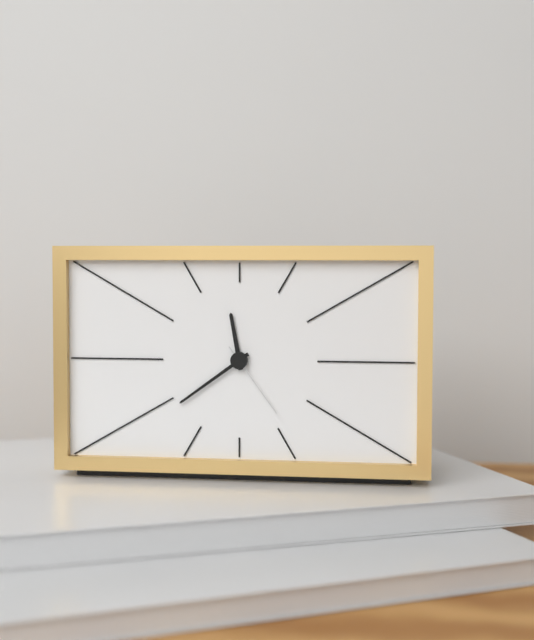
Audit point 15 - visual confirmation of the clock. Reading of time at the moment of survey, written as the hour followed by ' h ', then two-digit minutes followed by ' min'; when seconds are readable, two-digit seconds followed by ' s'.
11 h 39 min 24 s
